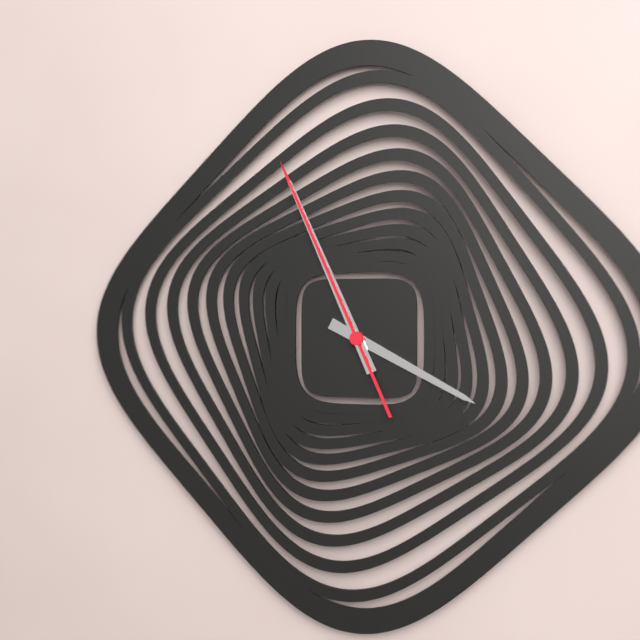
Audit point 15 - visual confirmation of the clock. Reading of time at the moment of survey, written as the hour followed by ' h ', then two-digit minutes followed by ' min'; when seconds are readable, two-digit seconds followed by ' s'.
3 h 56 min 56 s
